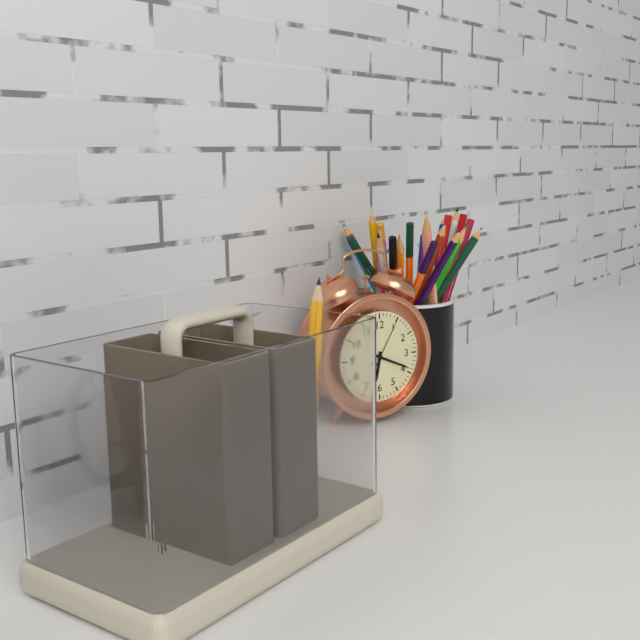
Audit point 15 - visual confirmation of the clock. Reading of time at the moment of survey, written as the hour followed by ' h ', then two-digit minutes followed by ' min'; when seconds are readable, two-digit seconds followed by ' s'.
6 h 19 min 05 s
